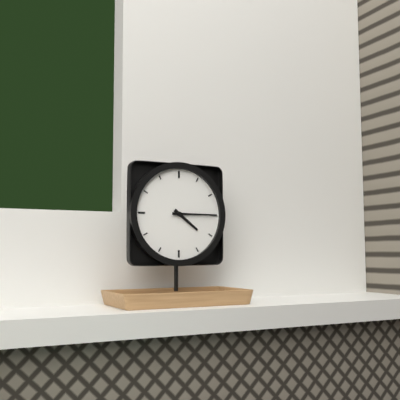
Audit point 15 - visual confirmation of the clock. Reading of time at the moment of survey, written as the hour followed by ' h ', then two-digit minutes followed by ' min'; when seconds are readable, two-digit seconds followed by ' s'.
4 h 15 min
